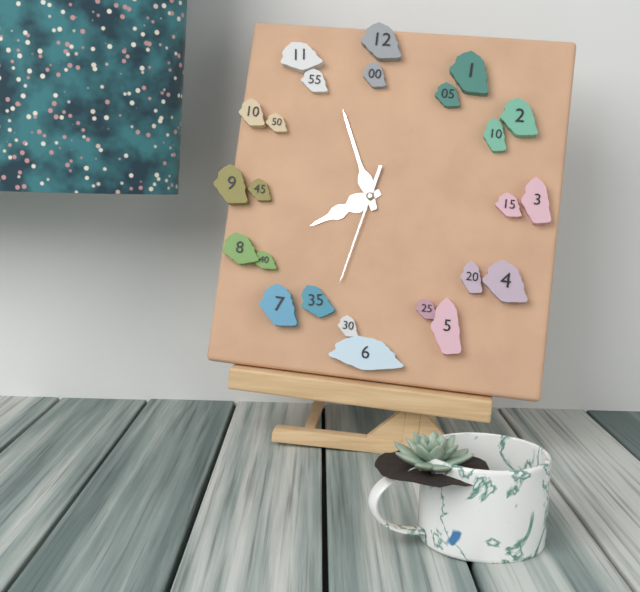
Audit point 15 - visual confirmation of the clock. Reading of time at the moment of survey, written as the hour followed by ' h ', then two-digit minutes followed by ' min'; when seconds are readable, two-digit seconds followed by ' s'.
7 h 56 min 32 s
